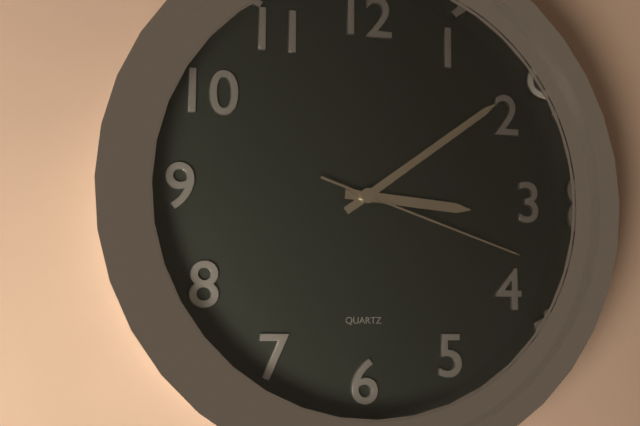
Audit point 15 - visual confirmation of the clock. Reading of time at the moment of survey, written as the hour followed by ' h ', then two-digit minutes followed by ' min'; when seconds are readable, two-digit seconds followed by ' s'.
3 h 09 min 18 s
